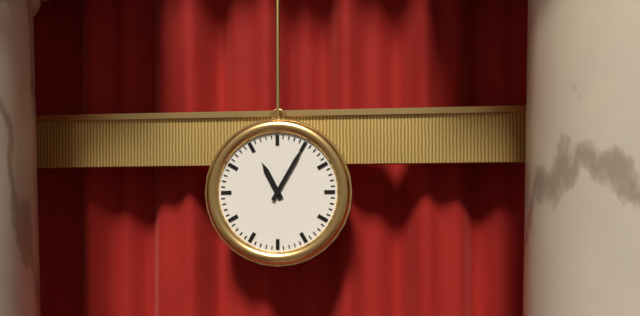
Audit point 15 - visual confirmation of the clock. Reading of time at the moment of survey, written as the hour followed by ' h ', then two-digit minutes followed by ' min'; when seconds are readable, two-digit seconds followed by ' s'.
11 h 05 min
